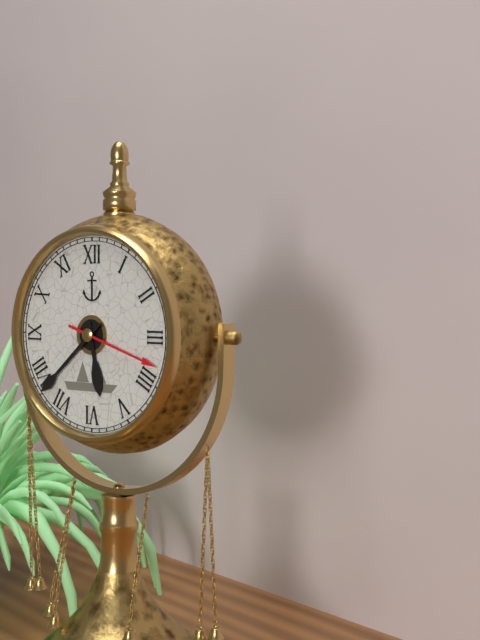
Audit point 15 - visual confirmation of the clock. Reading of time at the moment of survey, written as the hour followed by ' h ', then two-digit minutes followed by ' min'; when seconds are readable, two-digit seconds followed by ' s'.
5 h 38 min 18 s
